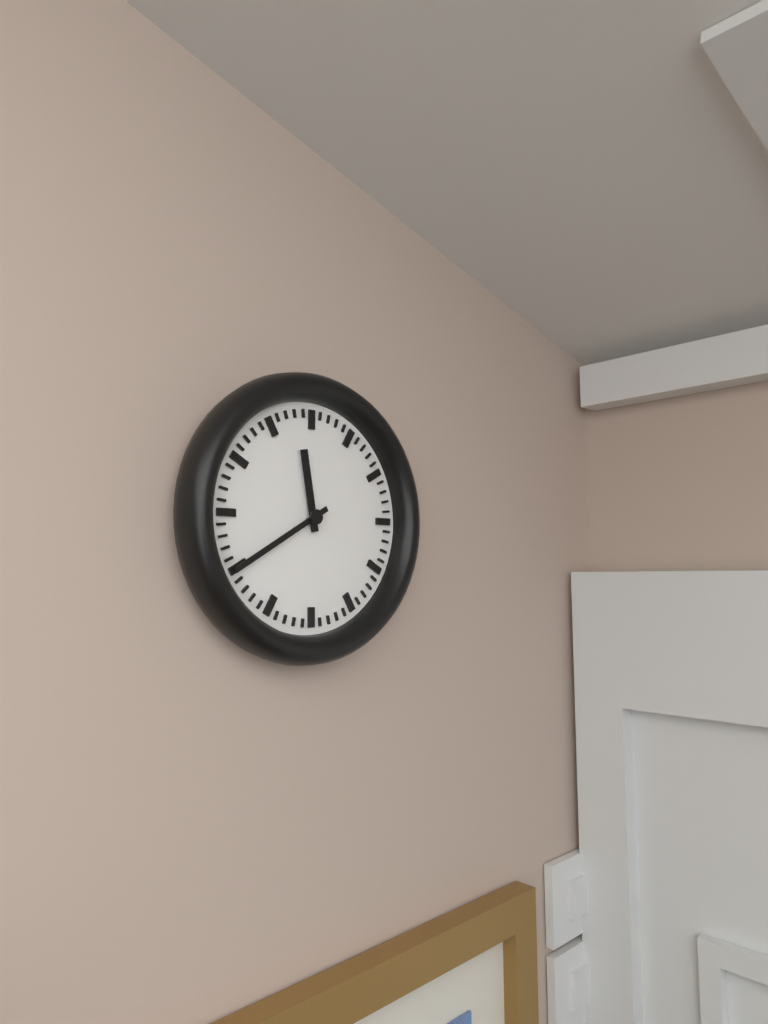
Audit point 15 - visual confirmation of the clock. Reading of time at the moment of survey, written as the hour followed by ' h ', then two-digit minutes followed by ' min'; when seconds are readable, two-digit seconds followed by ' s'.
11 h 40 min
